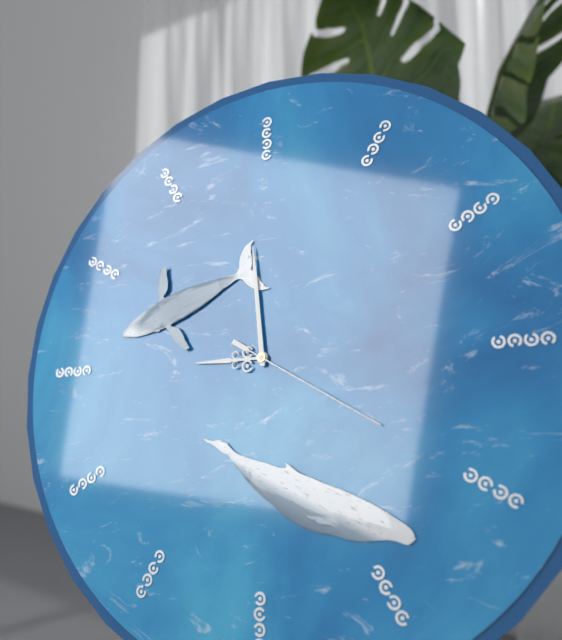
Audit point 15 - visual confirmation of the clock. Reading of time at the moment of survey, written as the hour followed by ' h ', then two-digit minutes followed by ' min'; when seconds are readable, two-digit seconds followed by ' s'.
8 h 59 min 20 s
